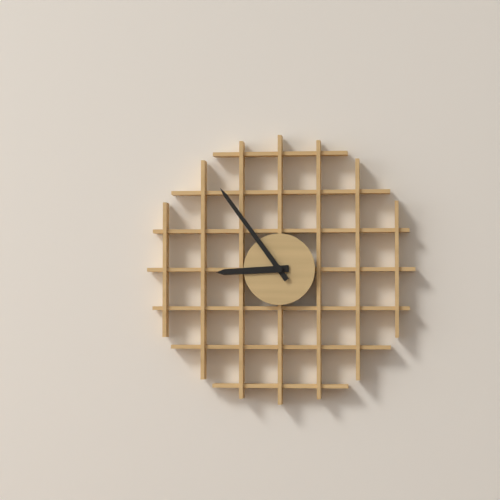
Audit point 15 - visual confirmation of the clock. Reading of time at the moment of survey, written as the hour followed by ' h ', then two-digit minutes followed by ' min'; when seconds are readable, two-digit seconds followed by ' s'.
8 h 54 min
